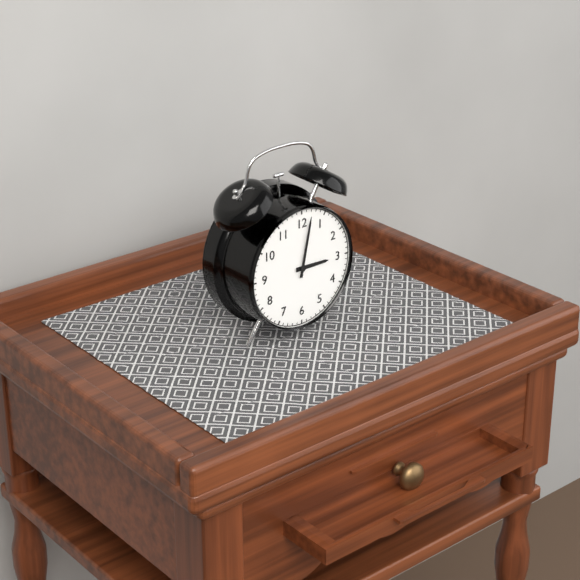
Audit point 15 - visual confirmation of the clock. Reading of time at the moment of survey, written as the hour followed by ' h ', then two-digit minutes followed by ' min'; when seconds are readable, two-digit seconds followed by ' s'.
3 h 02 min
